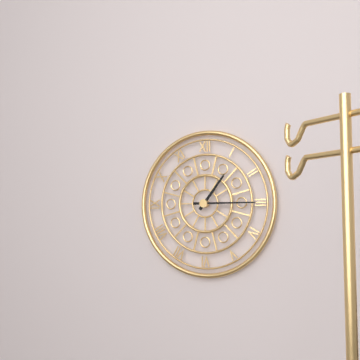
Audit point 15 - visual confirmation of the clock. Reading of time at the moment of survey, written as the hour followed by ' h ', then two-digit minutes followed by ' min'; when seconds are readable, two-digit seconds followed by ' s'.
1 h 15 min
